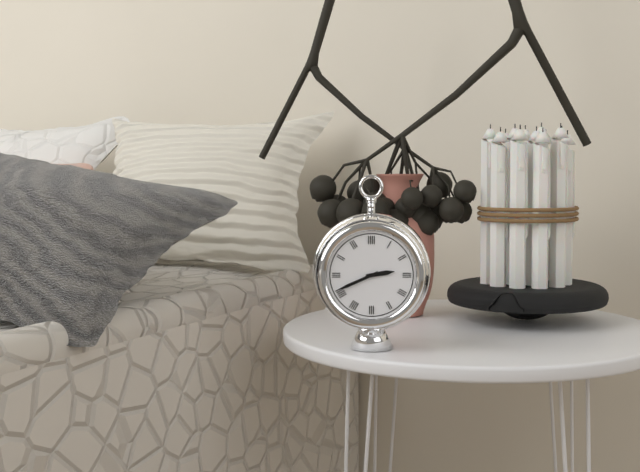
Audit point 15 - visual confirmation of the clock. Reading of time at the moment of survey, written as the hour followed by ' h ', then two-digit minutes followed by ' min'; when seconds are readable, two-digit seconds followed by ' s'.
2 h 41 min
